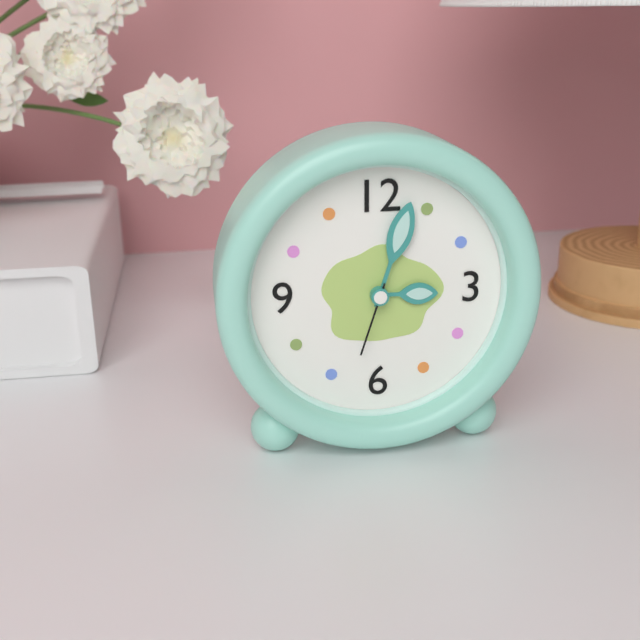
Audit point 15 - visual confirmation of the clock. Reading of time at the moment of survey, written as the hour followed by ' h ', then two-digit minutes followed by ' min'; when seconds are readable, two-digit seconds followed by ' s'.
3 h 03 min 33 s
